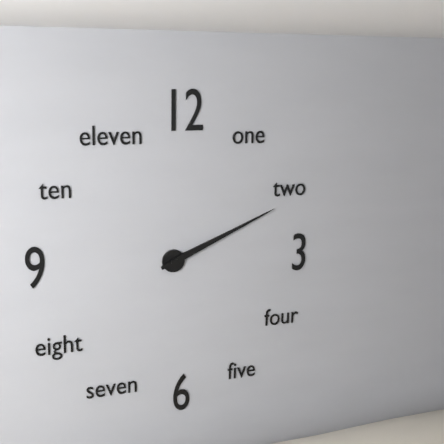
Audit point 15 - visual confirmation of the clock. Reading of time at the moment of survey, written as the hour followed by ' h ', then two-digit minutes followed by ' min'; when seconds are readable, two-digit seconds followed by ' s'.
2 h 11 min
